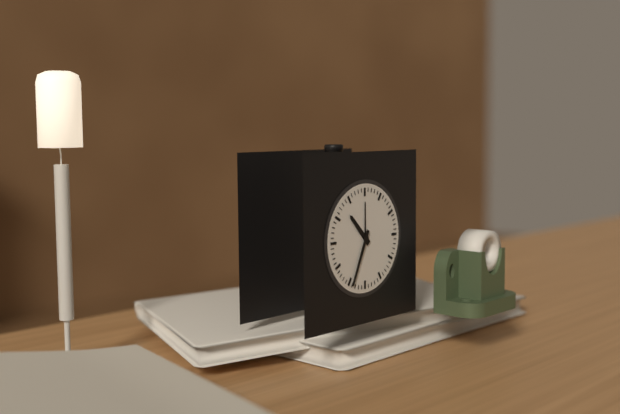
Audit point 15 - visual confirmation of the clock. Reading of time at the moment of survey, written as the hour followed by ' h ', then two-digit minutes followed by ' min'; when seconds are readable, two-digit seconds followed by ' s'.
10 h 34 min
